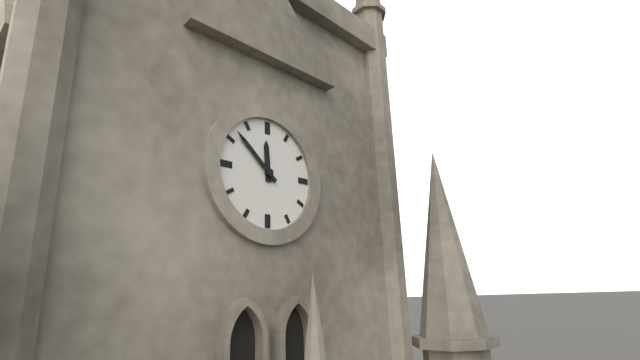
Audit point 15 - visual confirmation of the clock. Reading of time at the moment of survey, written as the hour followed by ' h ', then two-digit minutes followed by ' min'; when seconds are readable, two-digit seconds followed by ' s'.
11 h 52 min
